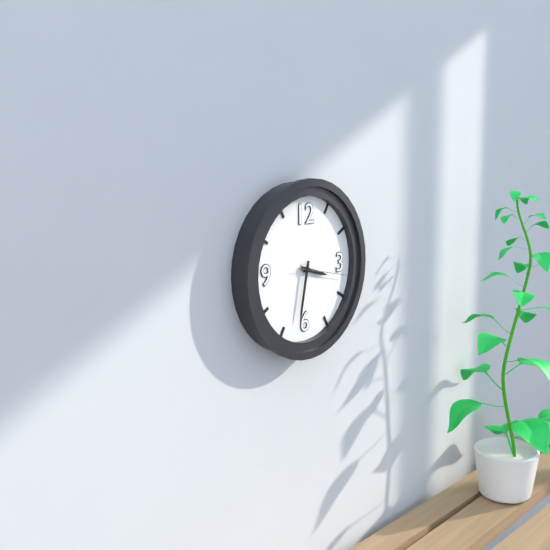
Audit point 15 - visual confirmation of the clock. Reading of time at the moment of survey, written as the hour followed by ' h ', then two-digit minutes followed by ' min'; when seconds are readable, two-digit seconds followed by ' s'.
3 h 32 min 17 s
